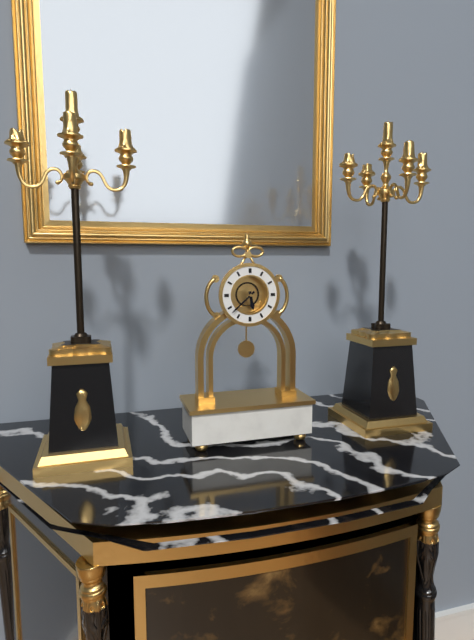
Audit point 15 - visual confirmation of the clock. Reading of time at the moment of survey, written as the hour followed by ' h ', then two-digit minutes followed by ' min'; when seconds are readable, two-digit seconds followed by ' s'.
5 h 38 min
